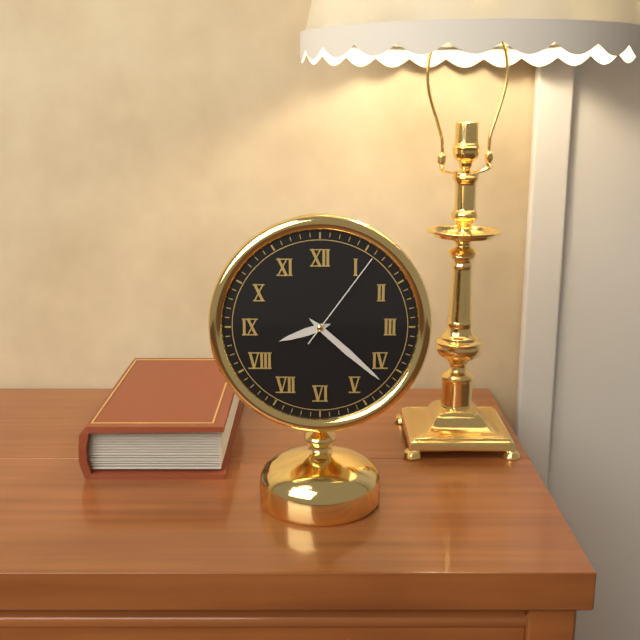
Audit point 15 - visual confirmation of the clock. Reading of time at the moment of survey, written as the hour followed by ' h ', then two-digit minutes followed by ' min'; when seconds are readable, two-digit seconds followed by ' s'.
8 h 22 min 06 s
